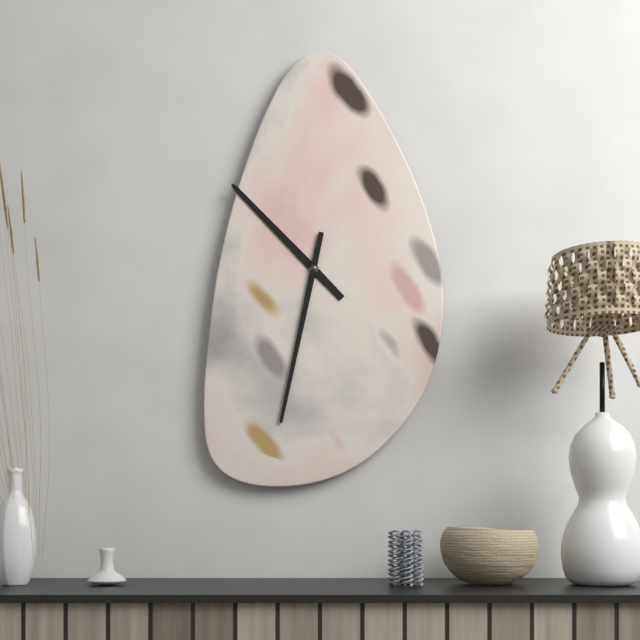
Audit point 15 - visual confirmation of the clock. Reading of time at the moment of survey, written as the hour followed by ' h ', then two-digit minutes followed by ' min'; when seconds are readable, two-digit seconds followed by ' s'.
10 h 32 min
